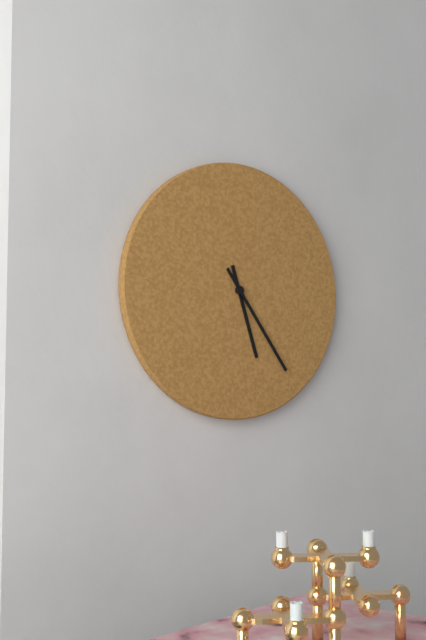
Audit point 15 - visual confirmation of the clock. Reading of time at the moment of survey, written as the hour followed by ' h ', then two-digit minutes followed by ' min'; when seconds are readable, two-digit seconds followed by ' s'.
5 h 24 min
